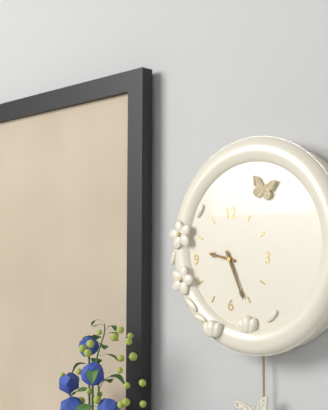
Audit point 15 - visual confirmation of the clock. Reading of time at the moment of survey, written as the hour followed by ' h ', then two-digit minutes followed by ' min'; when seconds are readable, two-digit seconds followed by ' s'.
9 h 26 min
